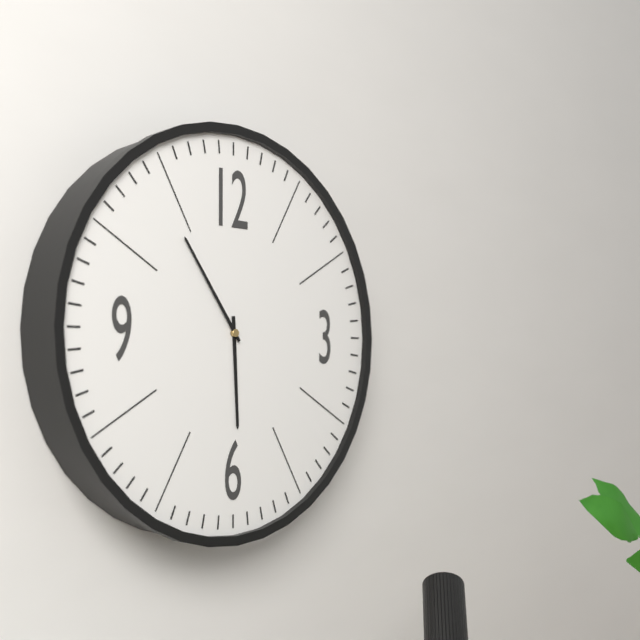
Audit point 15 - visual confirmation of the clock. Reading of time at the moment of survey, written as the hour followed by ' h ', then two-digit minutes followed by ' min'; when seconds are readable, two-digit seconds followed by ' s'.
5 h 54 min
